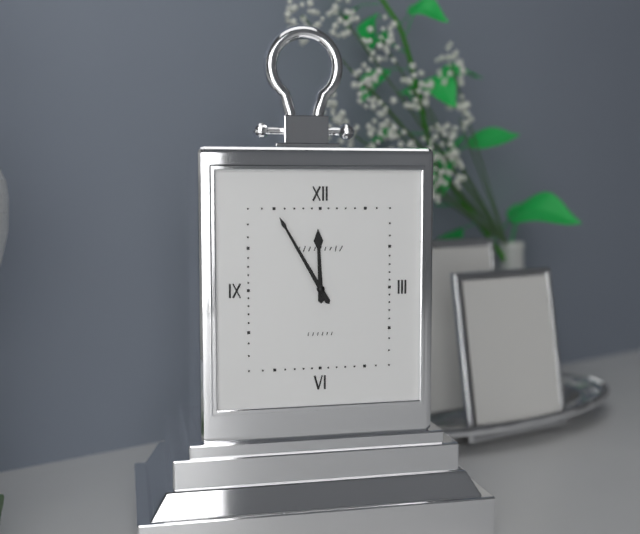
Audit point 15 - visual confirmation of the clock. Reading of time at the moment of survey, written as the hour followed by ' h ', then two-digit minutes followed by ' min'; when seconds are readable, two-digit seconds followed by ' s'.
11 h 55 min
